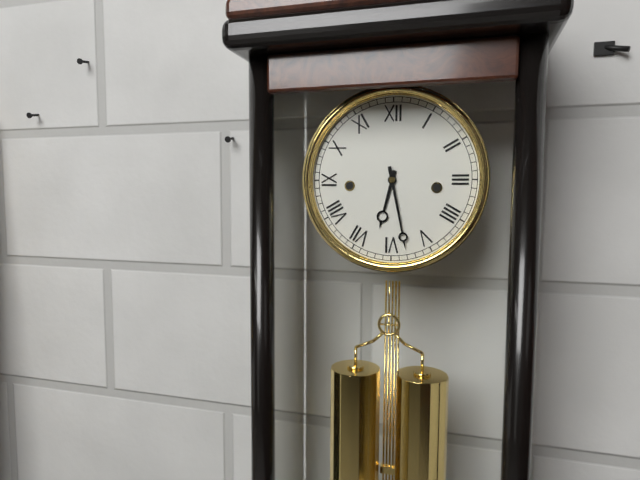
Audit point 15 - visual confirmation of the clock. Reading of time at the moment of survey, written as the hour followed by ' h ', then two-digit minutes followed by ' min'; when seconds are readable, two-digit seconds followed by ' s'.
6 h 28 min
